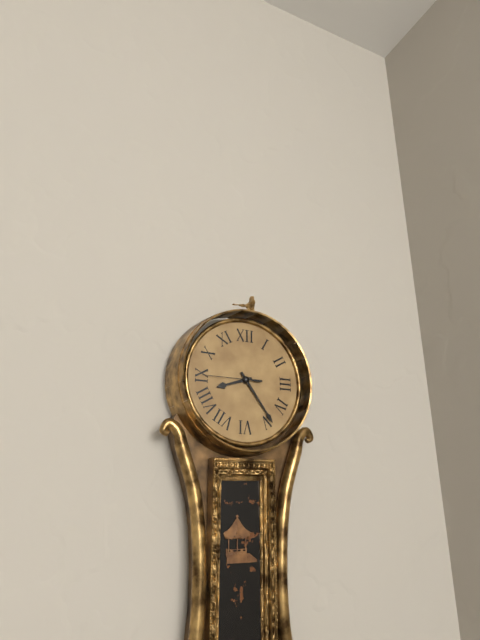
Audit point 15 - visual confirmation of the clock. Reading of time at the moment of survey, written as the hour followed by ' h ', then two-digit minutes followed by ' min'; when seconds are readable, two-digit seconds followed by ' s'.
8 h 24 min 45 s
